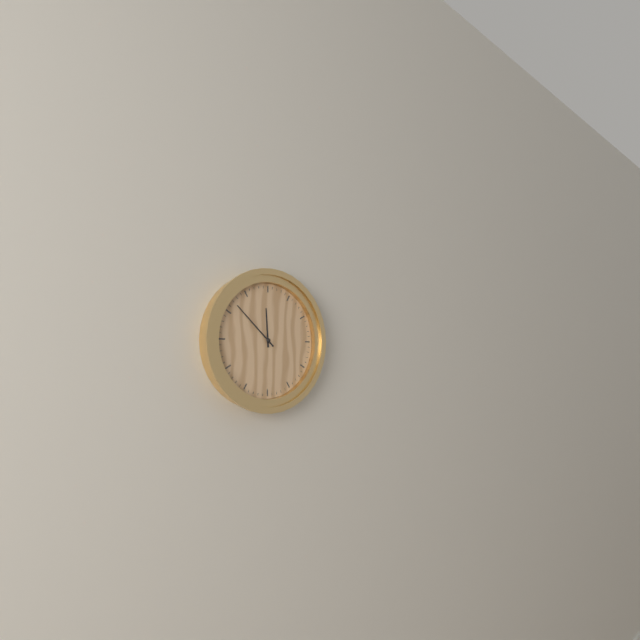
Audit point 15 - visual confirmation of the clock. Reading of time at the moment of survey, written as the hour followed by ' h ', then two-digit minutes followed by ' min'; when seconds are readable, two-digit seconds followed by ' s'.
11 h 52 min
